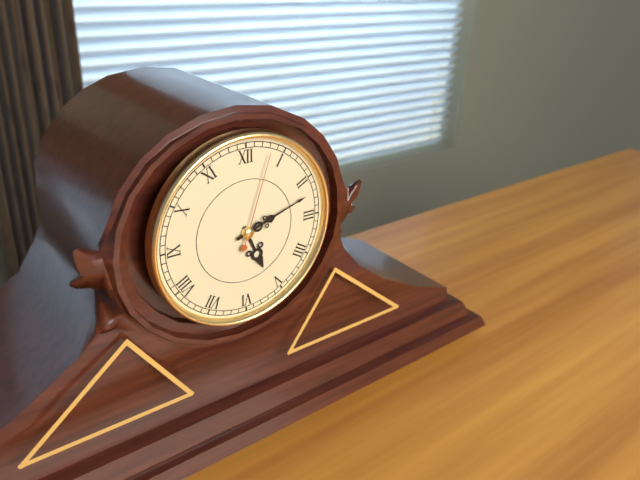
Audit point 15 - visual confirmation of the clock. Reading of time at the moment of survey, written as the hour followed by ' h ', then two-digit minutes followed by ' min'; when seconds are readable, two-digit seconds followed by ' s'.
5 h 12 min 03 s
